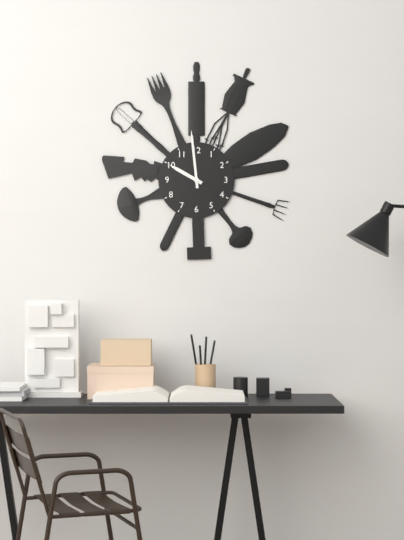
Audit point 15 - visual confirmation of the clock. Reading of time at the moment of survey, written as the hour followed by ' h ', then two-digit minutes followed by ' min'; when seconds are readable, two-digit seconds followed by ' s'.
9 h 59 min
